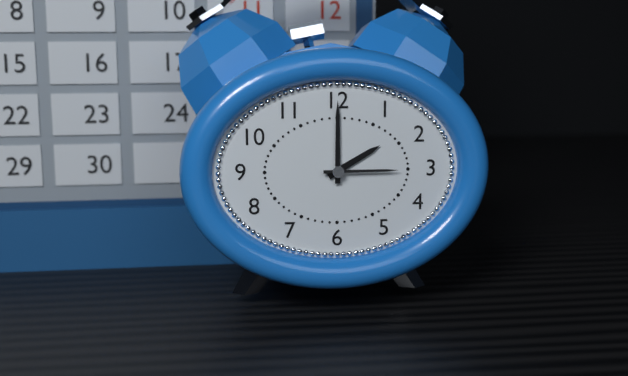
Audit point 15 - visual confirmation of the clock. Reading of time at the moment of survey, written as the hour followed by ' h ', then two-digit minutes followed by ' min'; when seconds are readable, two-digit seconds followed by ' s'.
2 h 00 min 15 s
